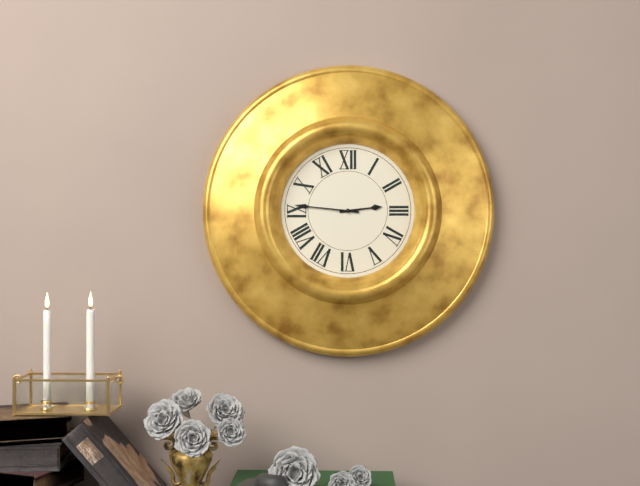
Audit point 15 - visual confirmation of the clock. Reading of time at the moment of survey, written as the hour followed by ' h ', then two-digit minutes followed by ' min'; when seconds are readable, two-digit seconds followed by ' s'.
2 h 46 min
